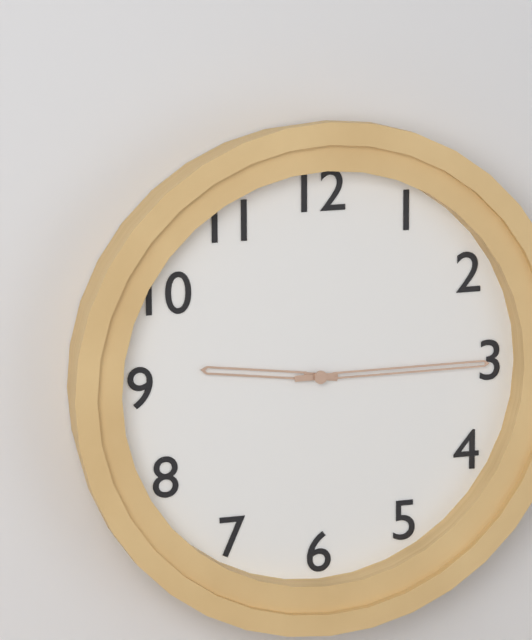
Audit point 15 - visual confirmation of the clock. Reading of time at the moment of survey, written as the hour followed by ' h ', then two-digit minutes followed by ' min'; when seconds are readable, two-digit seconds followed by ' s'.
9 h 15 min
